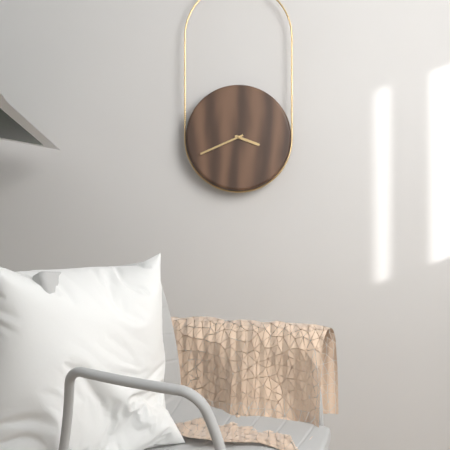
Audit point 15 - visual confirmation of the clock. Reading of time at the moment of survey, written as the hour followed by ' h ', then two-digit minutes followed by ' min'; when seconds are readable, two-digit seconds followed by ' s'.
3 h 41 min
